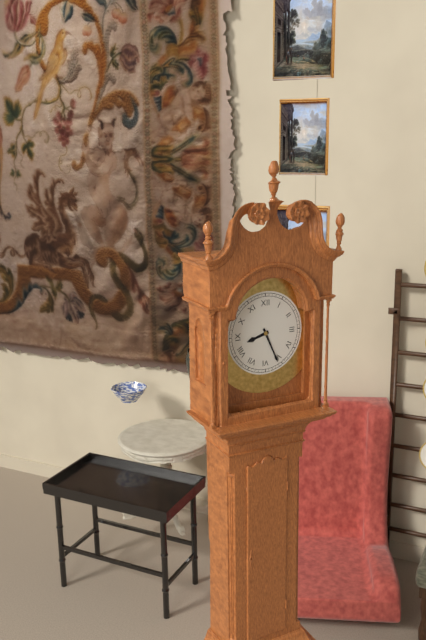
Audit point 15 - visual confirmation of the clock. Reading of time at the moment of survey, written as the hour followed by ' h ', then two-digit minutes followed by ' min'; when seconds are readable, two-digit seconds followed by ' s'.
8 h 26 min
